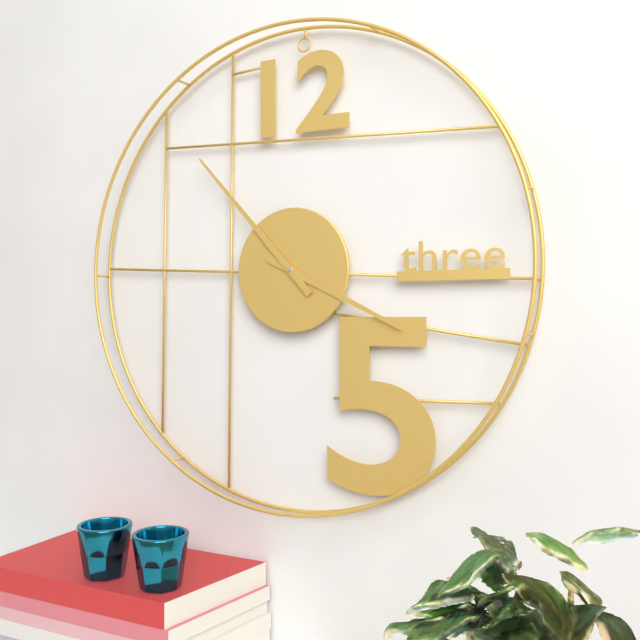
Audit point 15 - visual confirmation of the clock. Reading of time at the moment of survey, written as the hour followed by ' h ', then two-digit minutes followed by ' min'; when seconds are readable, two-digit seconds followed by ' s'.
3 h 53 min
